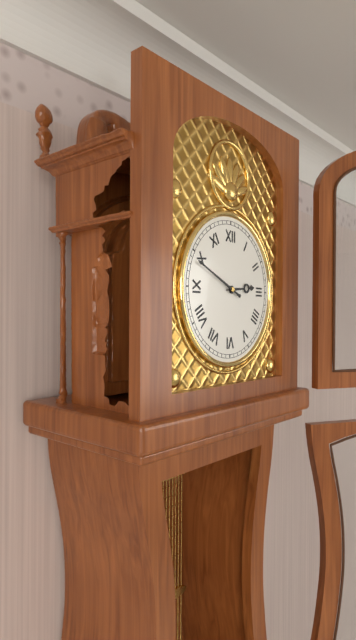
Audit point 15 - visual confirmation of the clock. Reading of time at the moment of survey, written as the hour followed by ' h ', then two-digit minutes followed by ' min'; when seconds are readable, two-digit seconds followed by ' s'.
2 h 49 min
